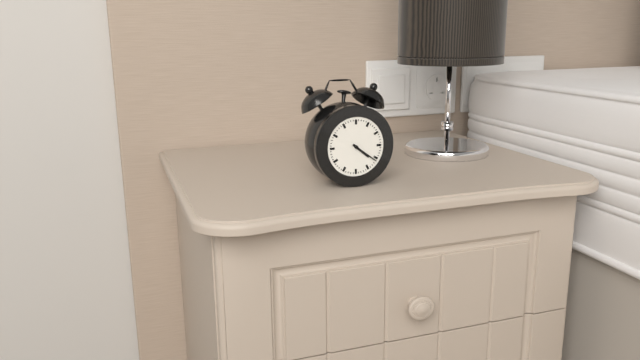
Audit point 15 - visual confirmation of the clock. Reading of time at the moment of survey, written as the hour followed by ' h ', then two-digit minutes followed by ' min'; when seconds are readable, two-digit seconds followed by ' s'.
4 h 21 min
